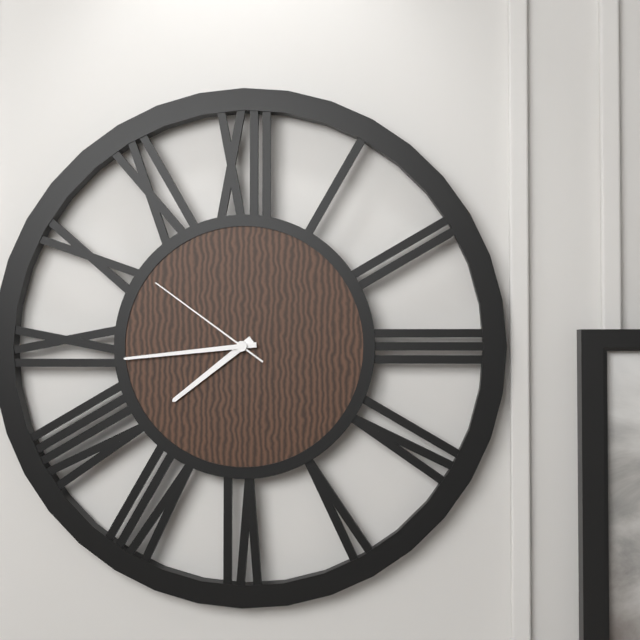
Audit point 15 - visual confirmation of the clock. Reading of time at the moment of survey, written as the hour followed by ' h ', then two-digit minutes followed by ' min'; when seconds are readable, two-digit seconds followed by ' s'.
7 h 44 min 51 s
